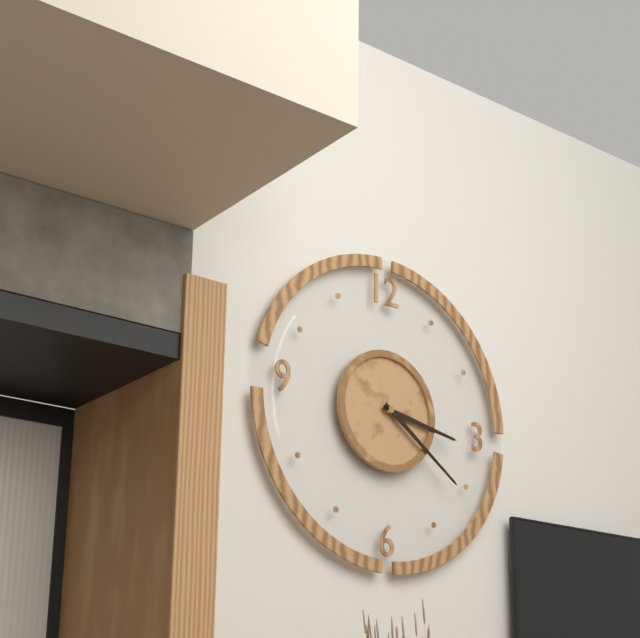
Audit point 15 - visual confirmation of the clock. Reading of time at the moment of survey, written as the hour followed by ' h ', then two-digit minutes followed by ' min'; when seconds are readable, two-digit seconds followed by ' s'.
3 h 21 min
